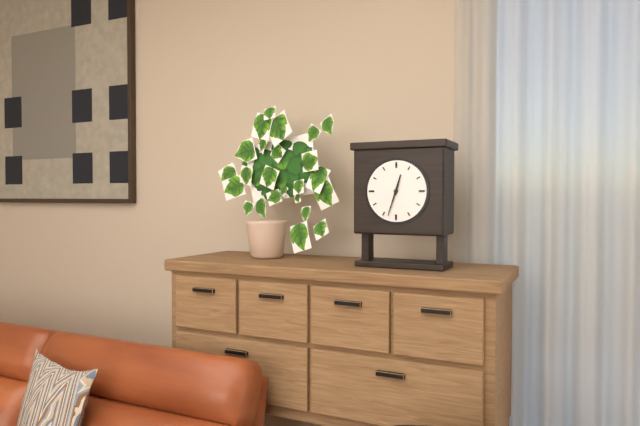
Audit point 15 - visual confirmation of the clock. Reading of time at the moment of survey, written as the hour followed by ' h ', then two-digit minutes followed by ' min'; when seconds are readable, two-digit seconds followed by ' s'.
12 h 33 min
